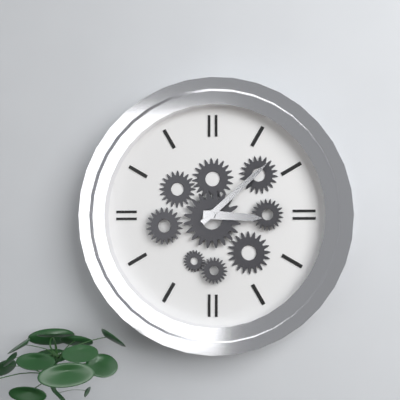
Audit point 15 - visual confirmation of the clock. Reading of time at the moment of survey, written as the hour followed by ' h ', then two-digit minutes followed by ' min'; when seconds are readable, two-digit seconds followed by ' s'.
3 h 08 min
